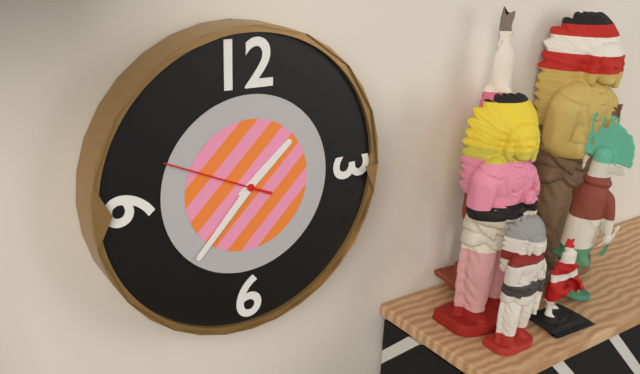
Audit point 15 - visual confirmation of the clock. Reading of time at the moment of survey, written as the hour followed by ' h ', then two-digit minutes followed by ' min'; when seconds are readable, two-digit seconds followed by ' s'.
1 h 37 min 49 s
